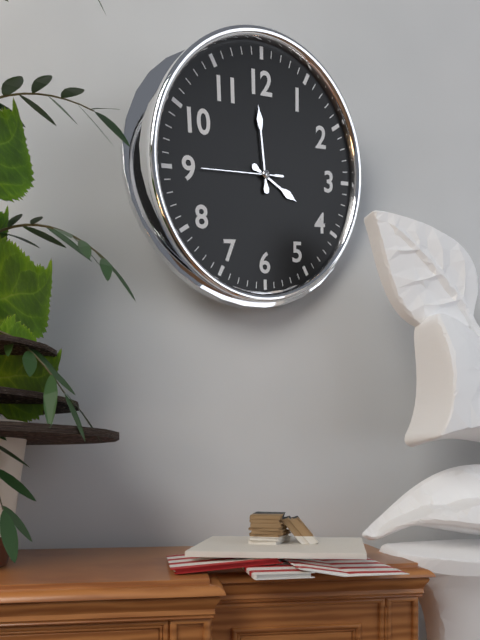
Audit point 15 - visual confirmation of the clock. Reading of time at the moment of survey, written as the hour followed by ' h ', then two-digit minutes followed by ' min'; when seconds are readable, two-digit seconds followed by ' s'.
3 h 59 min 45 s
